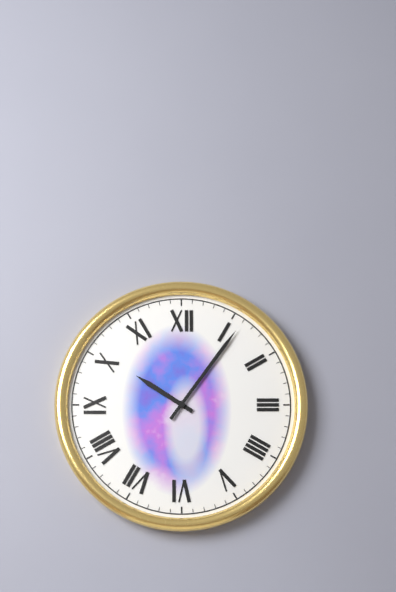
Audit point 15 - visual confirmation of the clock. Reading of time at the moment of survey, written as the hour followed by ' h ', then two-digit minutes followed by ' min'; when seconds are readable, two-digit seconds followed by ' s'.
10 h 06 min
